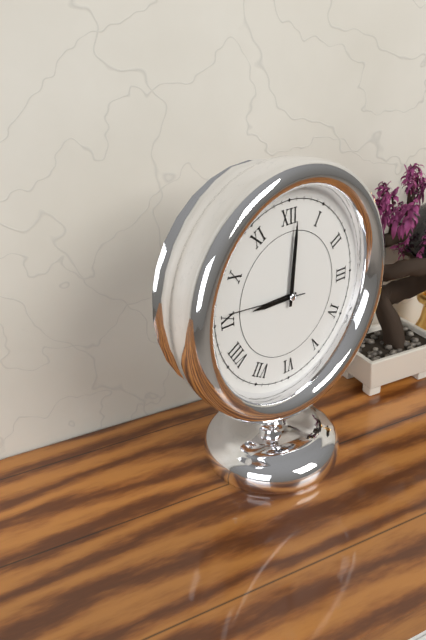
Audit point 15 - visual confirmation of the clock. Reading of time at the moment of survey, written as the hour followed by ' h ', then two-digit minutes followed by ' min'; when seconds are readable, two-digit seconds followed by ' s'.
9 h 01 min 46 s
